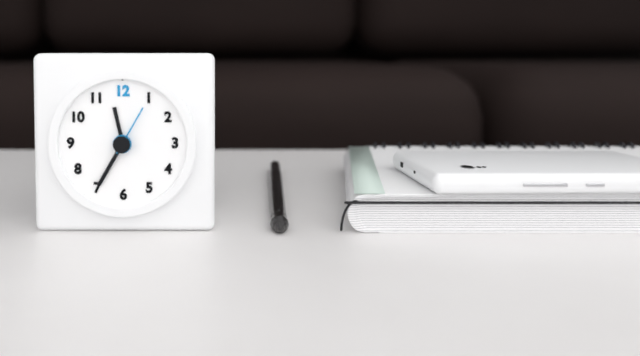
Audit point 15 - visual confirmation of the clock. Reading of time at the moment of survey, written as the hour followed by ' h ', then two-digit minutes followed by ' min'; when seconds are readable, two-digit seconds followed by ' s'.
11 h 35 min 05 s
